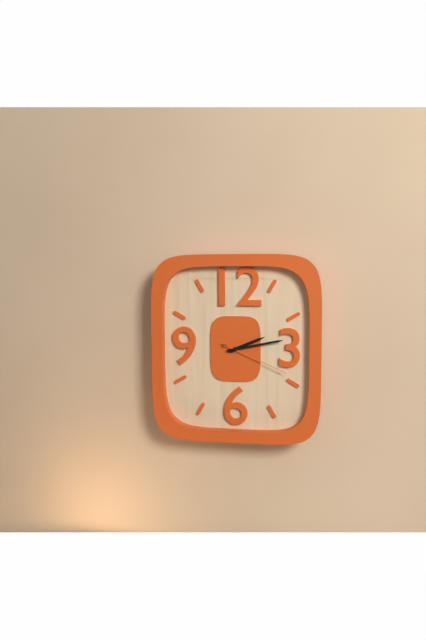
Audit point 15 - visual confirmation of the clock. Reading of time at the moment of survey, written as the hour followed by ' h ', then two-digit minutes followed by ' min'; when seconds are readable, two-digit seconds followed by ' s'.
2 h 13 min 19 s
